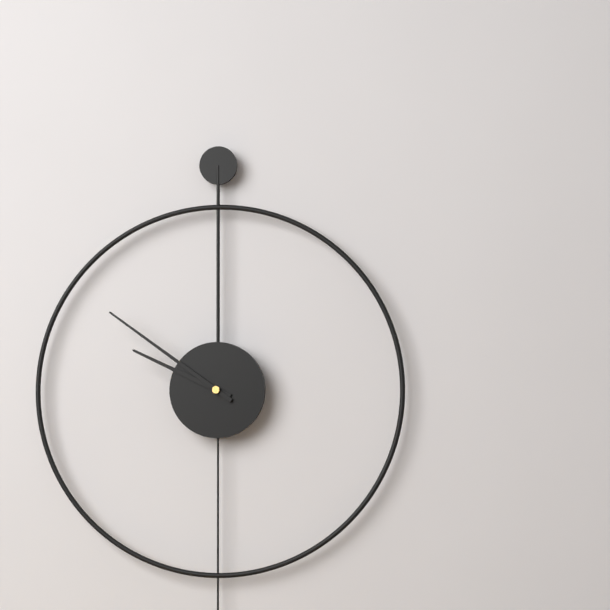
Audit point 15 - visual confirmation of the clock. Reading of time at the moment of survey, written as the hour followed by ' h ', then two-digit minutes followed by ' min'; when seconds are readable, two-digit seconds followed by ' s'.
9 h 51 min
